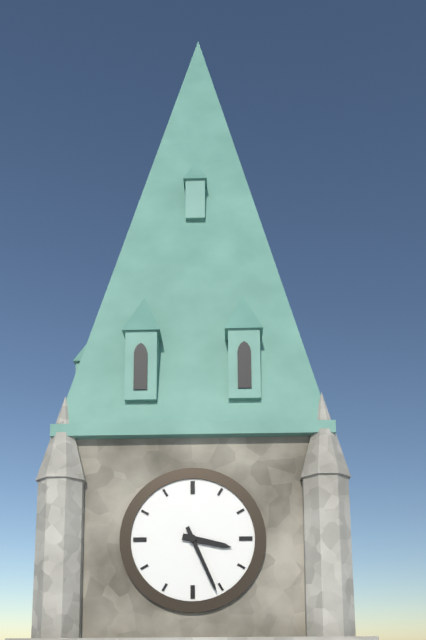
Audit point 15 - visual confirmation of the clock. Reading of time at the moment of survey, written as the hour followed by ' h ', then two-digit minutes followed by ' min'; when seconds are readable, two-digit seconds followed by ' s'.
3 h 26 min
